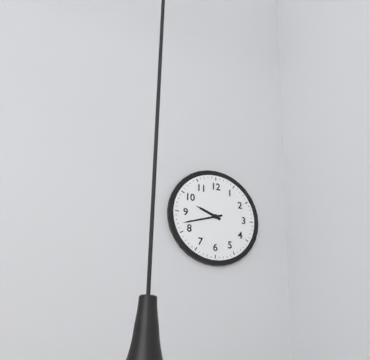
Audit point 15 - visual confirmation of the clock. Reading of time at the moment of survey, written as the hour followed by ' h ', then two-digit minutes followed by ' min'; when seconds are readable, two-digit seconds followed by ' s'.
9 h 42 min
